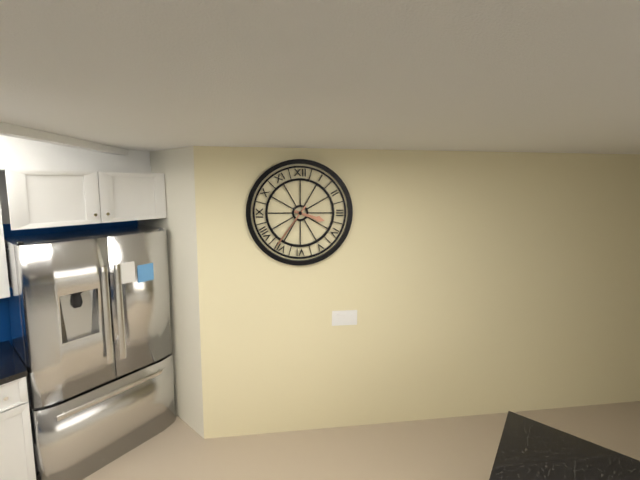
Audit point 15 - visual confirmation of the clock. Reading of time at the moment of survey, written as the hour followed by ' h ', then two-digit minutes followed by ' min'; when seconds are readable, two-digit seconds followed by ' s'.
3 h 36 min
